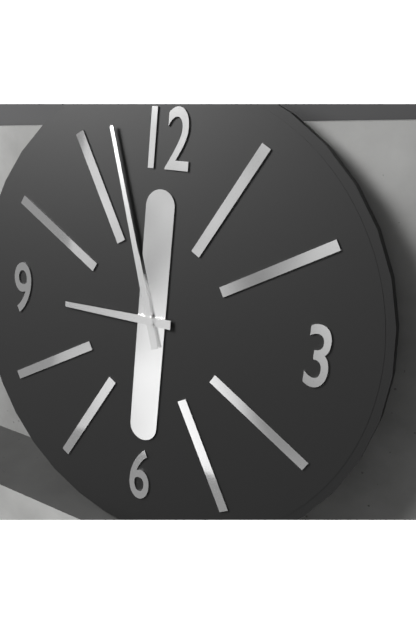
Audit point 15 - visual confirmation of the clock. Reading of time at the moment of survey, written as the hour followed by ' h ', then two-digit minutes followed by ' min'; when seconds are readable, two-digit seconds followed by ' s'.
8 h 57 min
